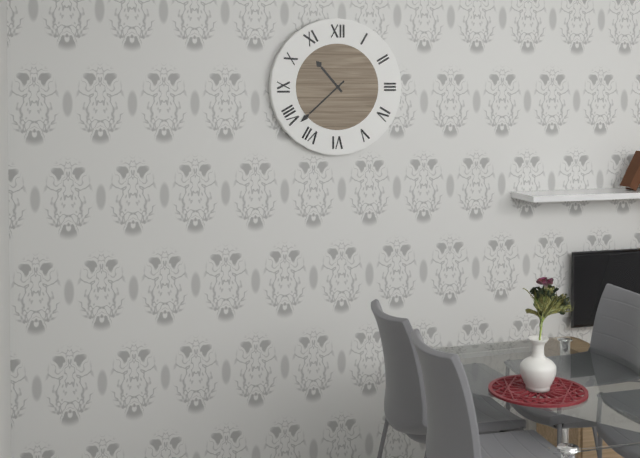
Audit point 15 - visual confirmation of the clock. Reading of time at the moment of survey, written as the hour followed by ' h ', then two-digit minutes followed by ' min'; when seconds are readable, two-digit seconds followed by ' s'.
10 h 38 min
